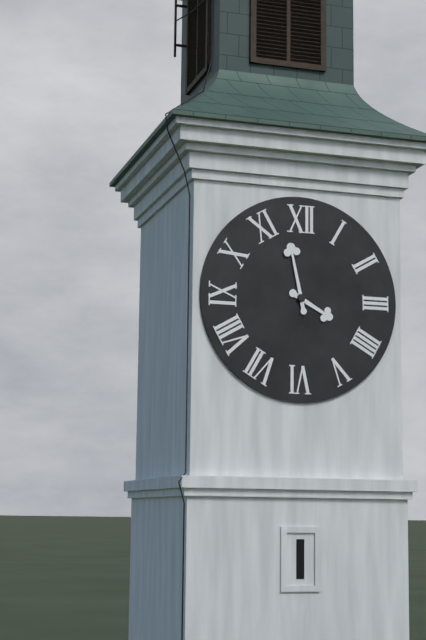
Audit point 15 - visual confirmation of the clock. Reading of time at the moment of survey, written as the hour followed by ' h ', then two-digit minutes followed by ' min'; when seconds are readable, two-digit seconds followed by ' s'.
3 h 58 min
